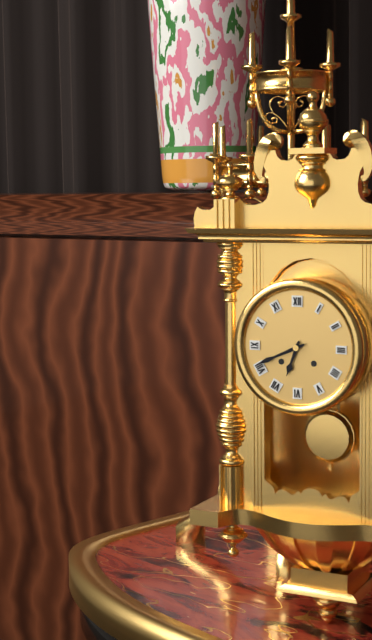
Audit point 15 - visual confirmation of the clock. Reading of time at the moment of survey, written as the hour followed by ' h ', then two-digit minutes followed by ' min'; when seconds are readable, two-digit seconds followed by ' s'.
6 h 41 min
